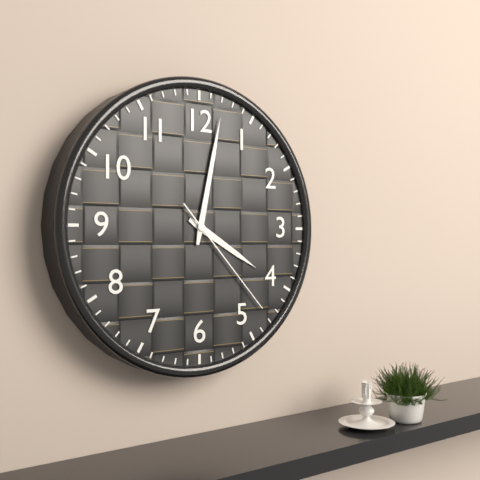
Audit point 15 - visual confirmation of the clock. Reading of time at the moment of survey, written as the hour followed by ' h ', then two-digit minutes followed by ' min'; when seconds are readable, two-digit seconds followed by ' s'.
4 h 02 min 23 s
